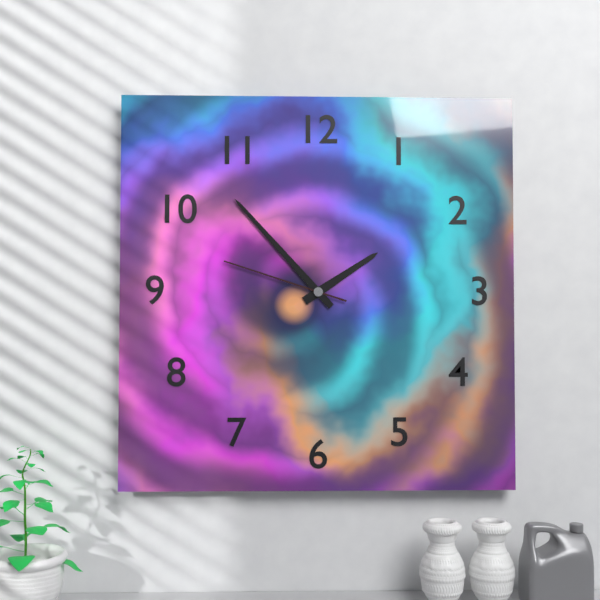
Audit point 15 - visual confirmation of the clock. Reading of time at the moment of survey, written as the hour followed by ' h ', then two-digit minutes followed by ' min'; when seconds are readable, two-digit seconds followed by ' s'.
1 h 53 min 48 s
